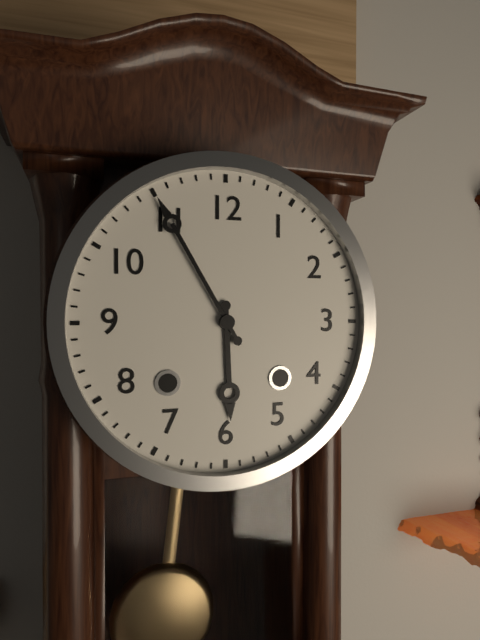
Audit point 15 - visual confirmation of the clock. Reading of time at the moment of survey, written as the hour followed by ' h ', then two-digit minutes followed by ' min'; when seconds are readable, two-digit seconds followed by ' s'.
5 h 55 min
